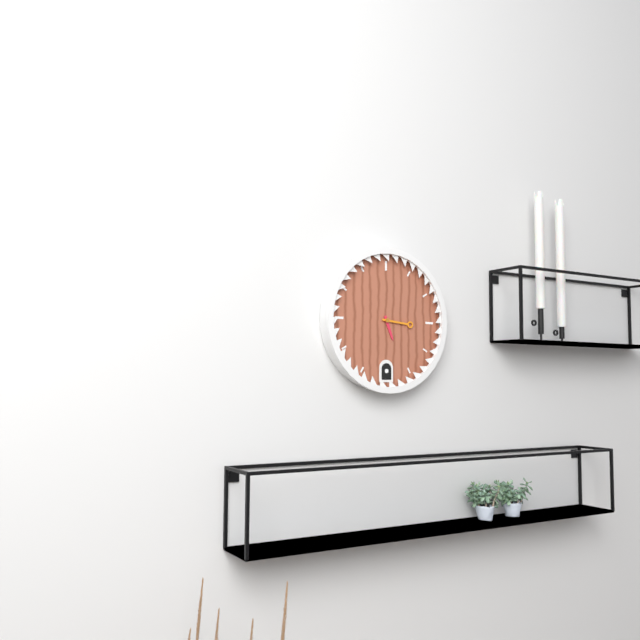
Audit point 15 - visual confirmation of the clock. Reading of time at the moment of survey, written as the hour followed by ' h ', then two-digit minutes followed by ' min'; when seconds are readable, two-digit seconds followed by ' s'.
5 h 16 min
